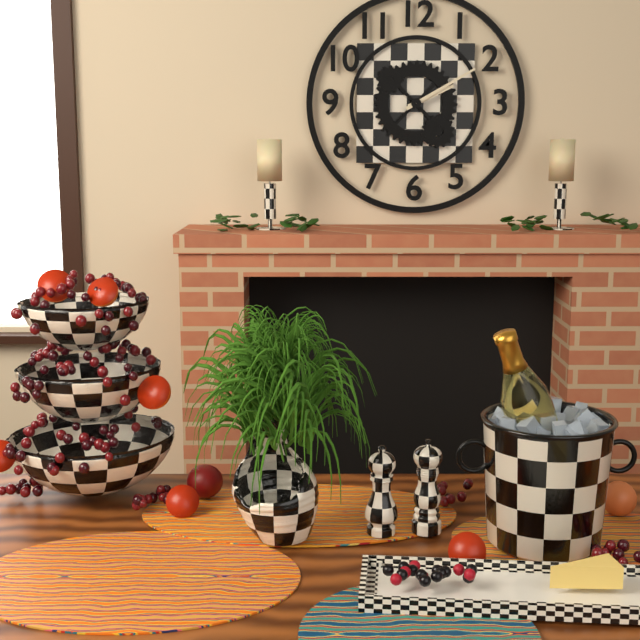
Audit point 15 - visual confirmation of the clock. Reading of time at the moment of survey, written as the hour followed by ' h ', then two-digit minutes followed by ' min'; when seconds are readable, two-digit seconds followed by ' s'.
2 h 10 min
